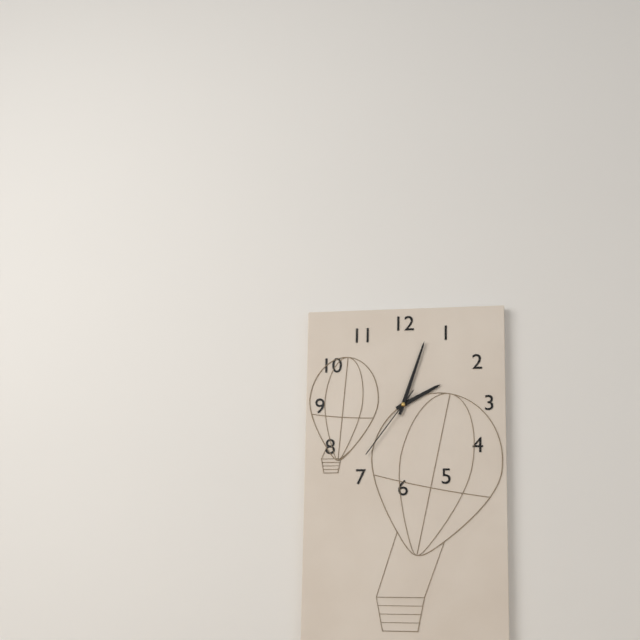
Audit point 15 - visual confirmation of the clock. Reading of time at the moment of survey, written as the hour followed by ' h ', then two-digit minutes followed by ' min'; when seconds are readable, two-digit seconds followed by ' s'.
2 h 03 min 36 s
